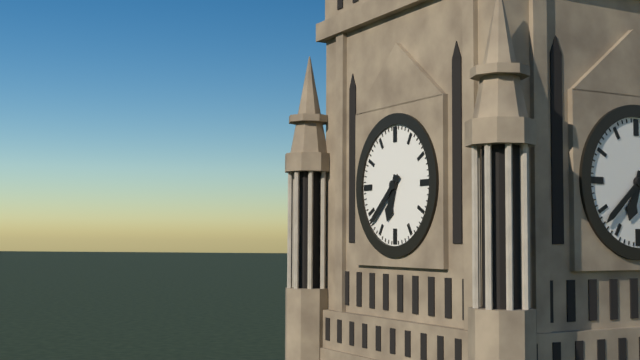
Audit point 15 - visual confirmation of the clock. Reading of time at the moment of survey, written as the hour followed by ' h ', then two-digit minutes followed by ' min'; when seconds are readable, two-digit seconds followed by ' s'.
6 h 38 min
